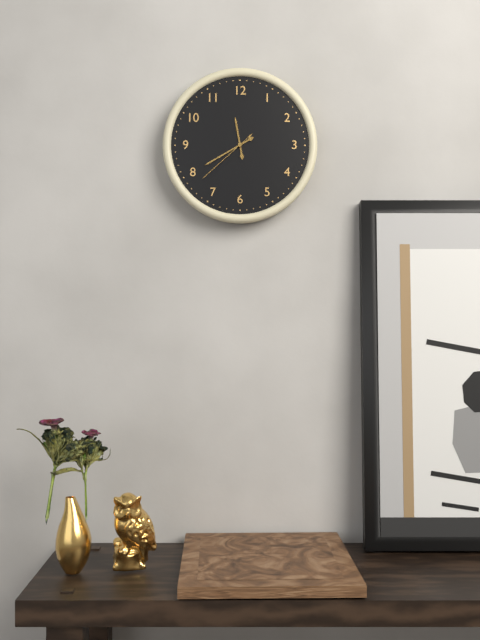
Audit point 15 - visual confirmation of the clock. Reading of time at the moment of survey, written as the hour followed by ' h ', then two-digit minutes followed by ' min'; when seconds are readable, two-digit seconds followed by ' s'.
11 h 40 min 38 s
